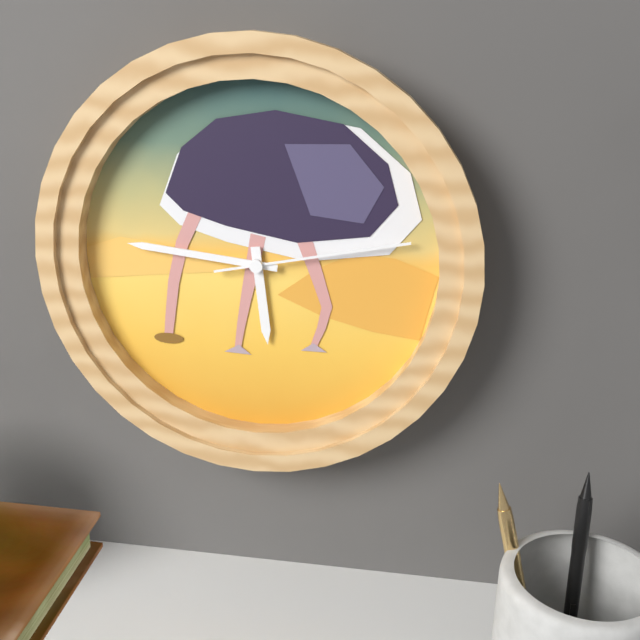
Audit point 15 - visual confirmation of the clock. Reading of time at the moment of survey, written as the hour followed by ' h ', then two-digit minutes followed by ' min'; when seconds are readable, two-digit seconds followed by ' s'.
5 h 46 min 13 s
